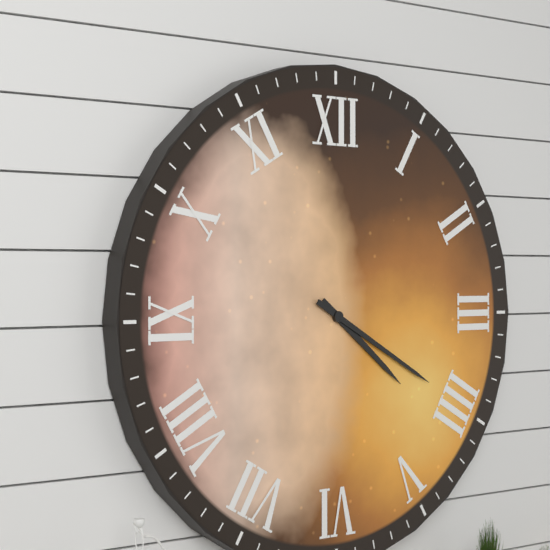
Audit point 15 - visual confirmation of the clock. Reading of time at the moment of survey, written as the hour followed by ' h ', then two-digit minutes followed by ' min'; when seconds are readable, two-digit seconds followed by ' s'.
4 h 20 min
